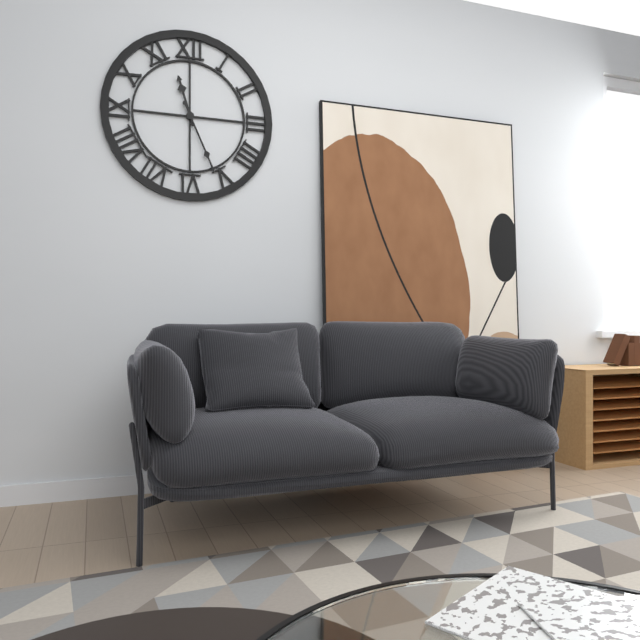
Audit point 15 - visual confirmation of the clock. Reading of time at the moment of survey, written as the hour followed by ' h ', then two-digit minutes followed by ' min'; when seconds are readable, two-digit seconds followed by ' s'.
11 h 26 min
